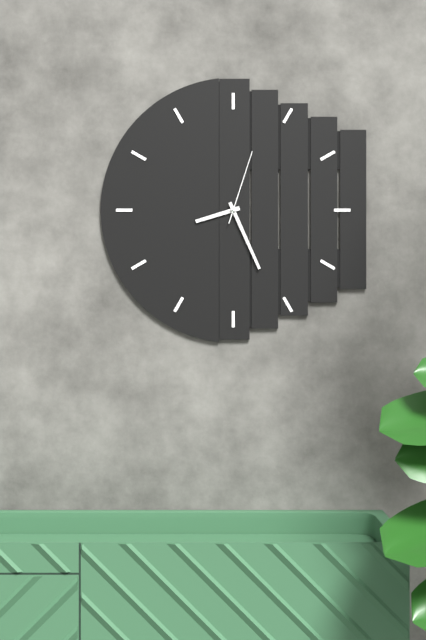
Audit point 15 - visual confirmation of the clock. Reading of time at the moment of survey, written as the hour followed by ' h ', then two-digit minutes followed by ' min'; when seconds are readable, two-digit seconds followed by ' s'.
8 h 26 min 03 s
